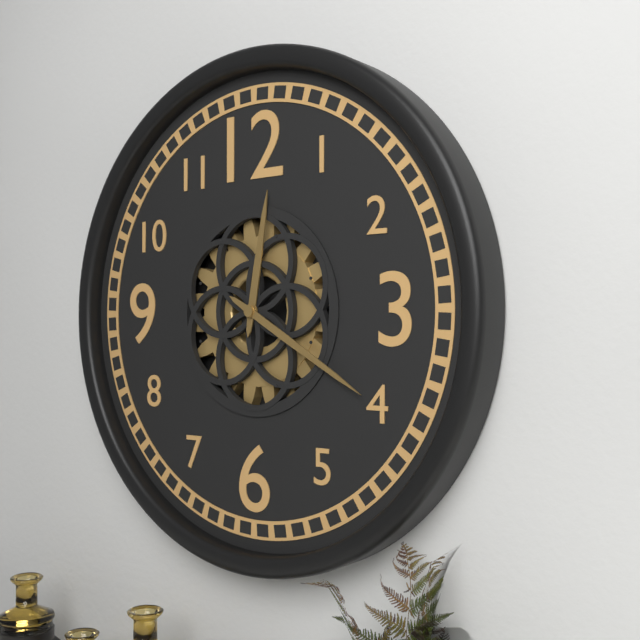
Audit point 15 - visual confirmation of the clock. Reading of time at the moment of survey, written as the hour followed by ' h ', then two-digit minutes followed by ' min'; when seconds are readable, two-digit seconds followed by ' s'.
12 h 20 min
